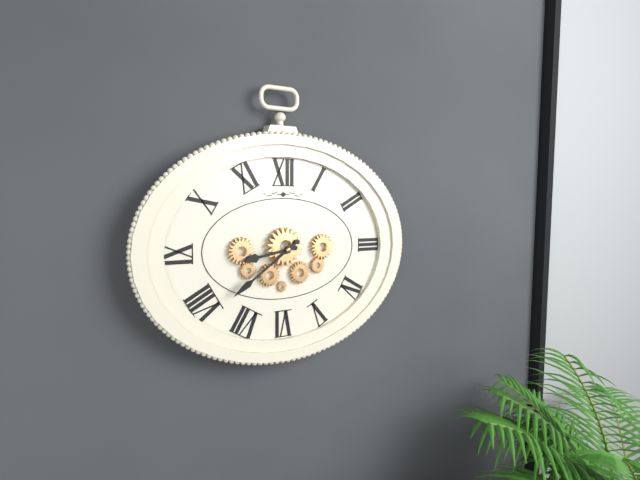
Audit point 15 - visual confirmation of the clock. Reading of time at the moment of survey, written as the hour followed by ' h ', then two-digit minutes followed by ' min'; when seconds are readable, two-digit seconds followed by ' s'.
8 h 39 min
